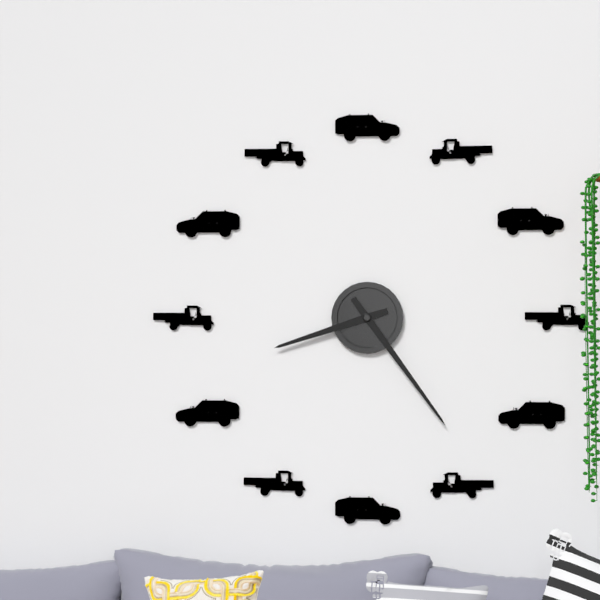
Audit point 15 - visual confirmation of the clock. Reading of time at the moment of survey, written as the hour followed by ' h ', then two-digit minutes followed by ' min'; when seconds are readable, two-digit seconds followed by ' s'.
8 h 24 min
